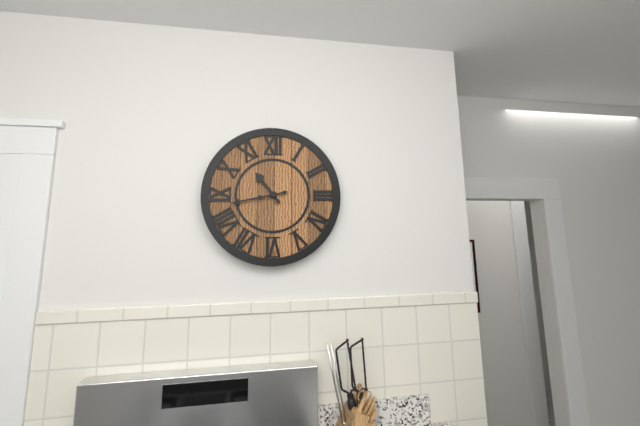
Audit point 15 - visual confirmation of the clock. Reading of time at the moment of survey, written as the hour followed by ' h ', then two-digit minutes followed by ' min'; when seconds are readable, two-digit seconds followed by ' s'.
10 h 43 min
